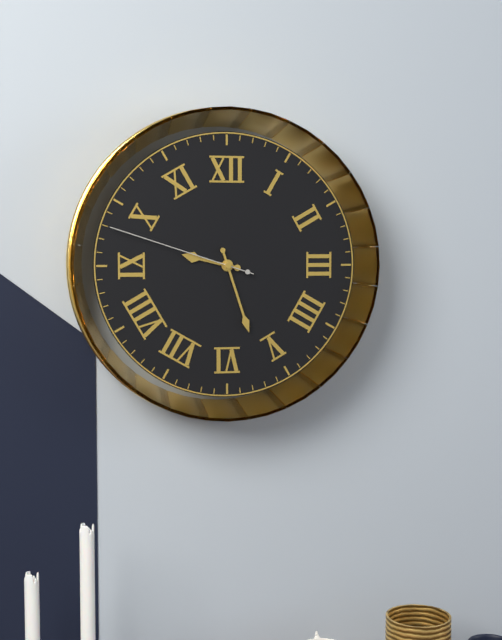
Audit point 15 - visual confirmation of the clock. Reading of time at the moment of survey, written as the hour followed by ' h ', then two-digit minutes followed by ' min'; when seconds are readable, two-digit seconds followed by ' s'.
9 h 27 min 48 s
